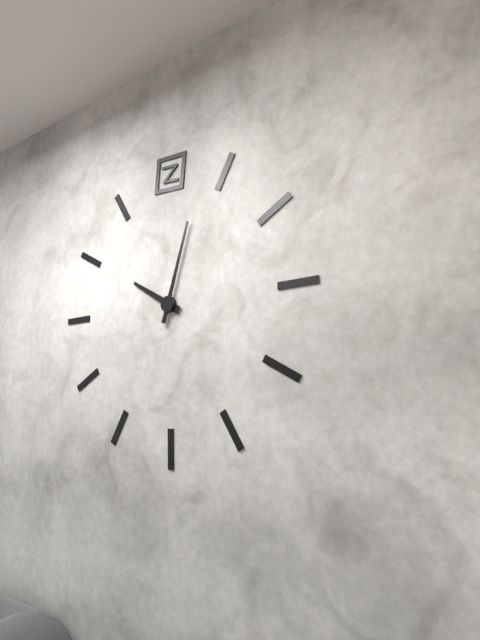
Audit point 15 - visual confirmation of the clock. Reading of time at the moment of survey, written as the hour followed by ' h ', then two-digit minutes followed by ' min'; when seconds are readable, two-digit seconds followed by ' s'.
10 h 03 min
